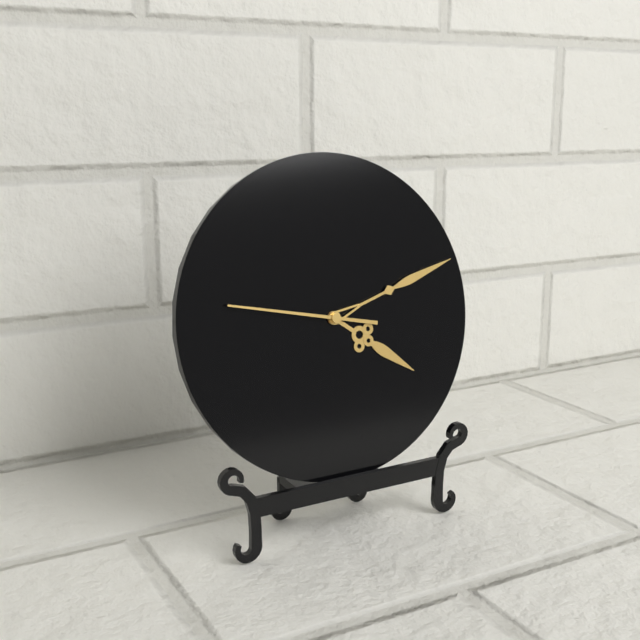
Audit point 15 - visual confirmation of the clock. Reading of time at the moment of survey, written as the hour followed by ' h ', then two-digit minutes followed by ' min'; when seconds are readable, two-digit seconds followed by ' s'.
4 h 12 min 47 s
